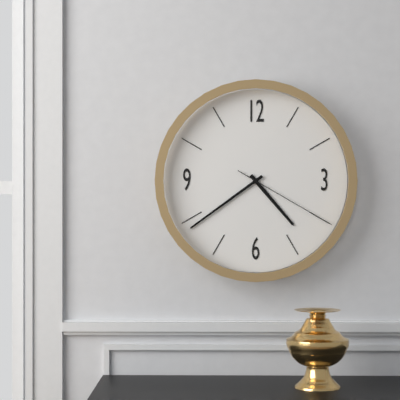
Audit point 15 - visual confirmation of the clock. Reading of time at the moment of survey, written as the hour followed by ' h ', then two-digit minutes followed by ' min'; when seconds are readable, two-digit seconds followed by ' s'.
4 h 39 min 20 s
